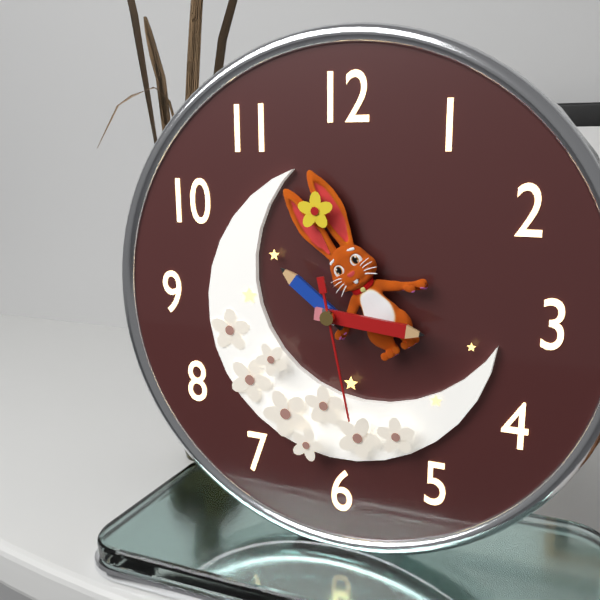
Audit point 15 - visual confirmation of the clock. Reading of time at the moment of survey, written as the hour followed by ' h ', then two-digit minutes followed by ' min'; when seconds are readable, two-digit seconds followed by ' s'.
10 h 16 min 28 s
